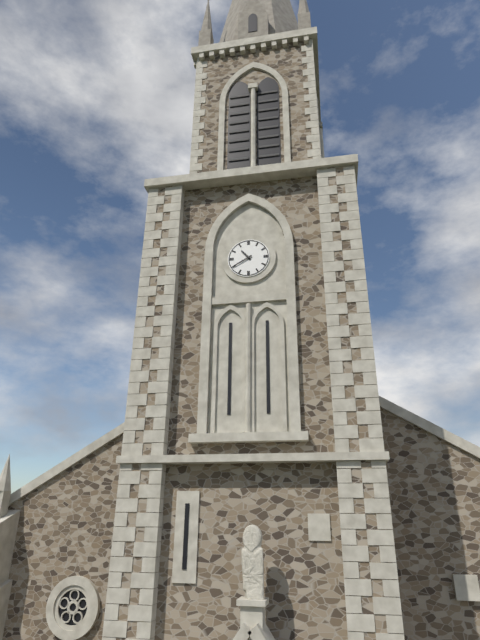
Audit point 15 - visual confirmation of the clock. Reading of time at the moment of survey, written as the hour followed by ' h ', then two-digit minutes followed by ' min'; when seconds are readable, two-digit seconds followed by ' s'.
10 h 40 min
